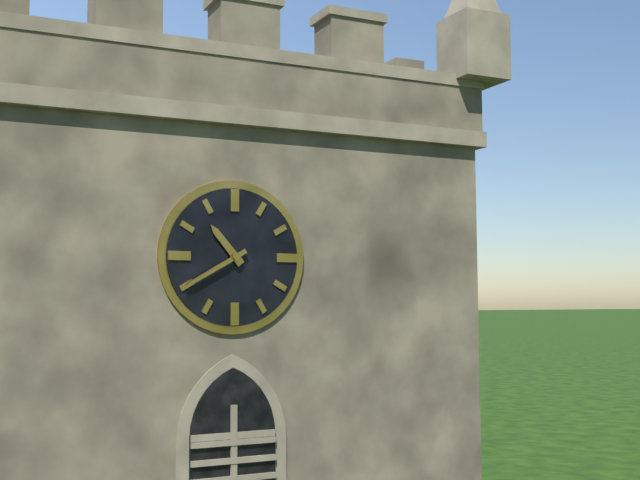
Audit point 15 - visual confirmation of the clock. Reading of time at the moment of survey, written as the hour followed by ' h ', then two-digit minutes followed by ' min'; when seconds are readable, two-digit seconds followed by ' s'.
10 h 40 min
